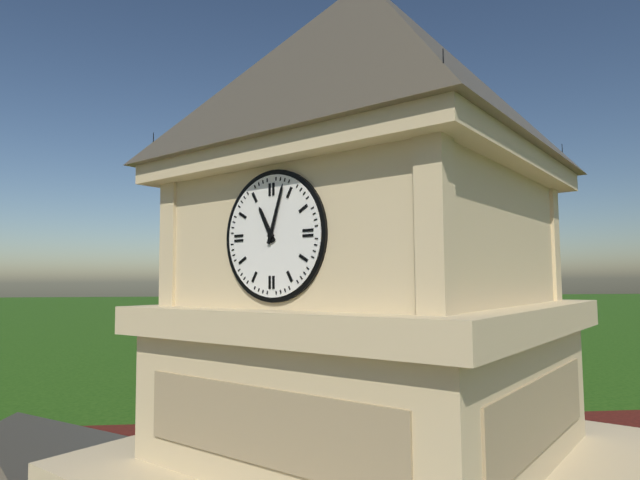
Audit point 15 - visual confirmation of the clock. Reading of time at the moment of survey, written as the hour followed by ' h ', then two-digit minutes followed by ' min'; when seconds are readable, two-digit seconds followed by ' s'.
11 h 03 min
